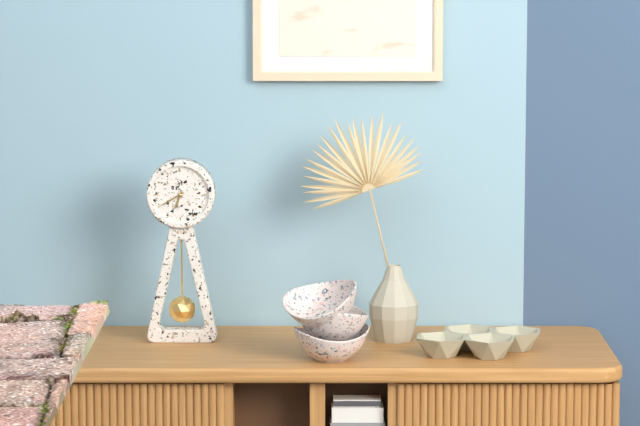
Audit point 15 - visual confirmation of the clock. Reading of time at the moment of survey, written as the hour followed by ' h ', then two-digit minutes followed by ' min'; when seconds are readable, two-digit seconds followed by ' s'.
6 h 40 min
